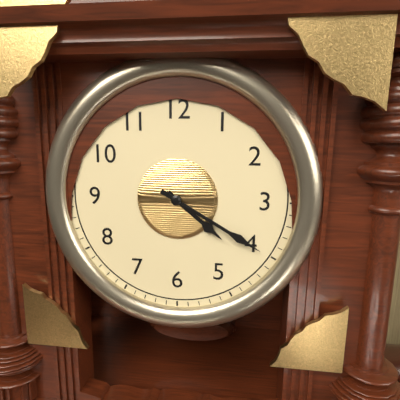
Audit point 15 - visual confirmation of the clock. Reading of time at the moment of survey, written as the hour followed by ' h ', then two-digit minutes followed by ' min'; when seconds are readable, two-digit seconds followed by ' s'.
4 h 20 min
